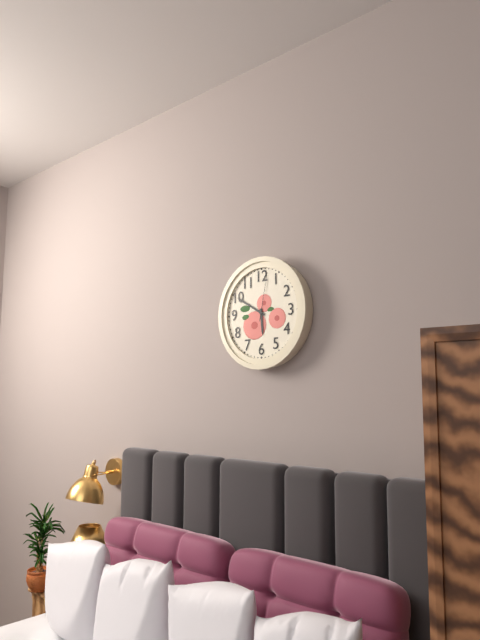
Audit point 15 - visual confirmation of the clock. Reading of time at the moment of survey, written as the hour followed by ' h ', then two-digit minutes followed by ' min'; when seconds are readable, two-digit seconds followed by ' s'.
5 h 50 min 02 s
